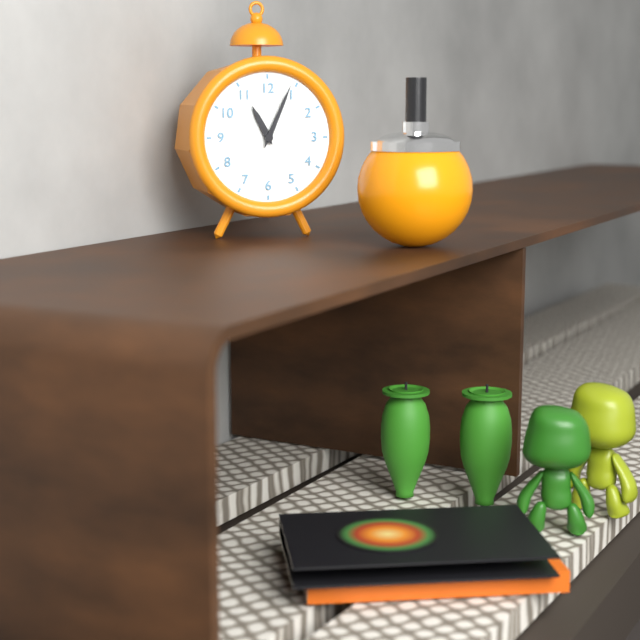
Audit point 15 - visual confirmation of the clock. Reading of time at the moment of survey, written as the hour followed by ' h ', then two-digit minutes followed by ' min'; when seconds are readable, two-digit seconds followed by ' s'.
11 h 04 min
